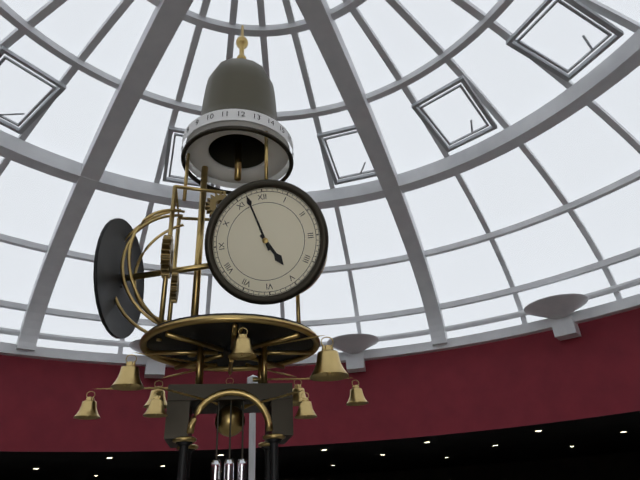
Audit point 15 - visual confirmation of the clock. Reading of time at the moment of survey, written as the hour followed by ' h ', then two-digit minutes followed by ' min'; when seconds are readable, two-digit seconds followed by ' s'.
4 h 57 min
